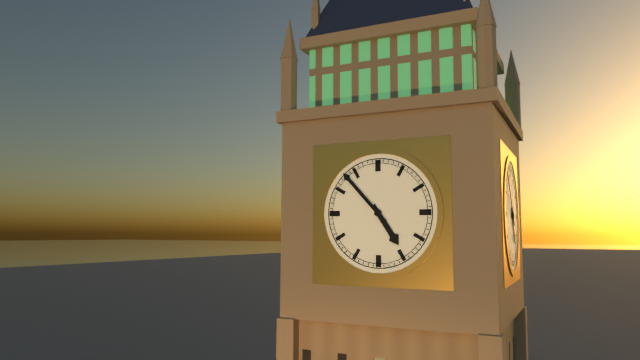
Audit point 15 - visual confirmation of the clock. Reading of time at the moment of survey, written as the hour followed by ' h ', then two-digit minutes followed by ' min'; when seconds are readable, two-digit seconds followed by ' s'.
4 h 53 min
